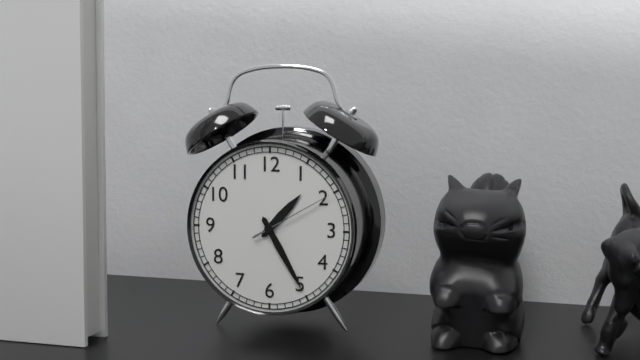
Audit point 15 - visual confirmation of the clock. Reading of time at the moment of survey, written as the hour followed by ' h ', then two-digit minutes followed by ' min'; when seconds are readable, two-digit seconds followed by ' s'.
1 h 25 min 10 s
